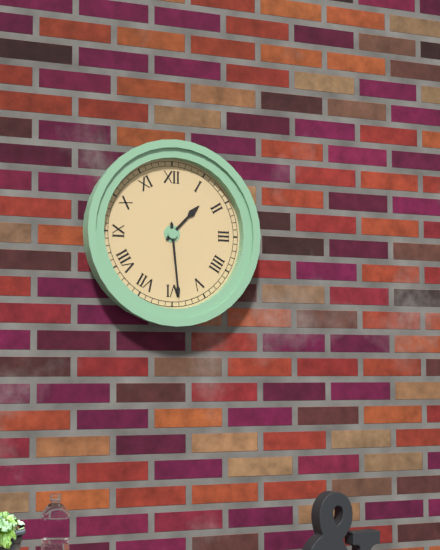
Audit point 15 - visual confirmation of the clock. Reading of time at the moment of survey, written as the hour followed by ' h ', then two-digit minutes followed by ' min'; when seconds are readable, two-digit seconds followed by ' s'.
1 h 29 min
